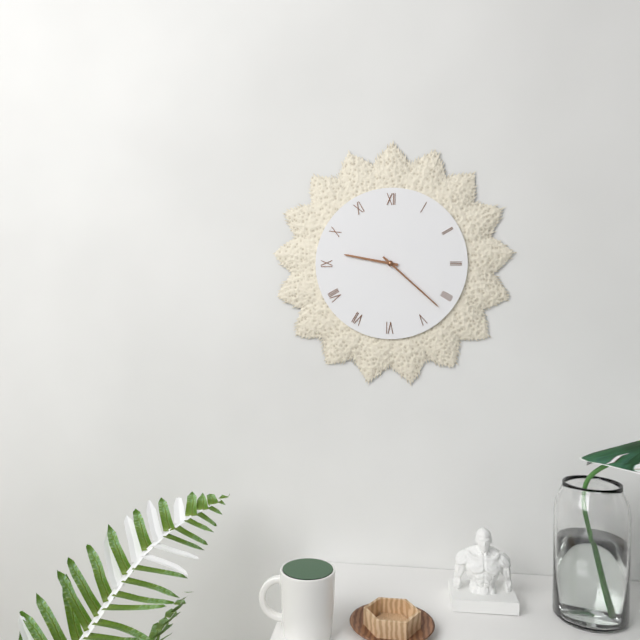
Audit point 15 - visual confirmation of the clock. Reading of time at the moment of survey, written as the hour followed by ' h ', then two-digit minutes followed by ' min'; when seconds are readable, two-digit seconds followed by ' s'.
9 h 22 min
